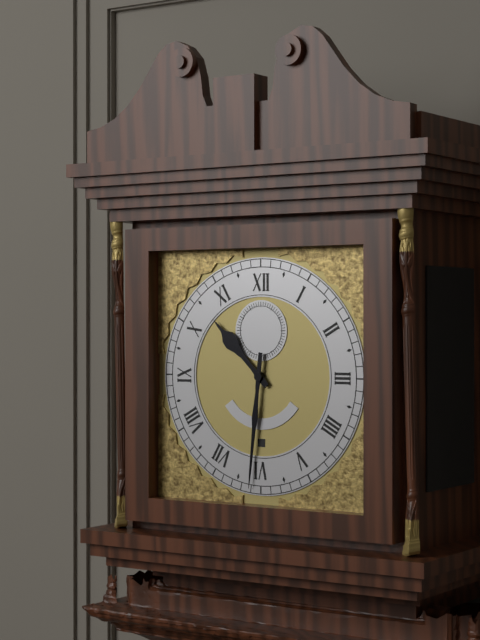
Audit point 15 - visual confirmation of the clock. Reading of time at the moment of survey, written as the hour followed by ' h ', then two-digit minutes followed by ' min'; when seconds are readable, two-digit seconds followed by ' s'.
10 h 31 min
